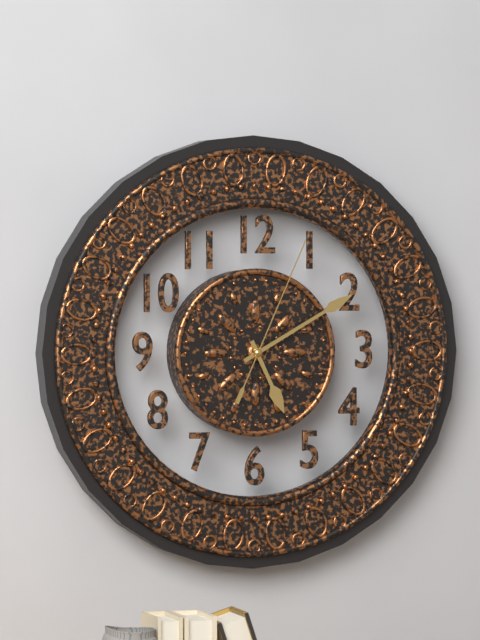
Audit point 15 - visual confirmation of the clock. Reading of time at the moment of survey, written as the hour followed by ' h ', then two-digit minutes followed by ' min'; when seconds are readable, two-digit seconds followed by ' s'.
5 h 10 min 04 s
